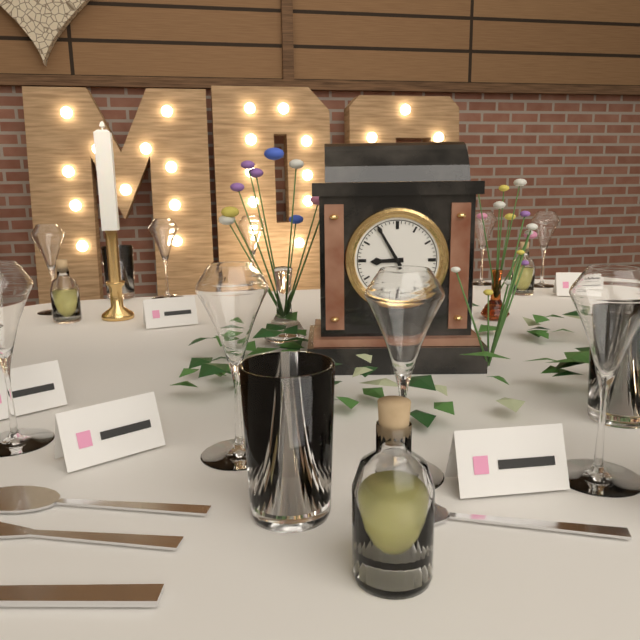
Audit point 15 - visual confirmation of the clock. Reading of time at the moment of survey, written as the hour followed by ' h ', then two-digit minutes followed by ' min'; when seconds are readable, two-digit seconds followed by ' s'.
8 h 55 min
